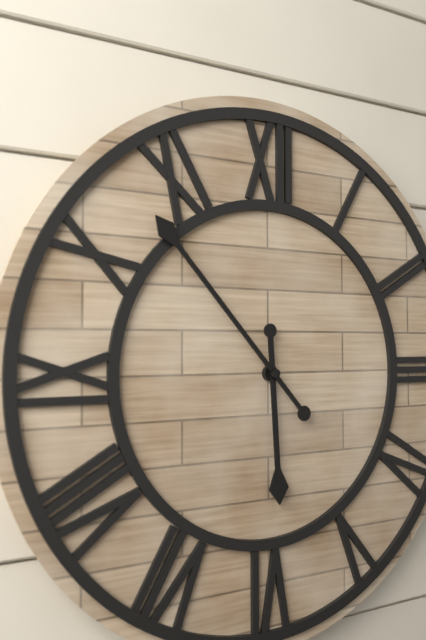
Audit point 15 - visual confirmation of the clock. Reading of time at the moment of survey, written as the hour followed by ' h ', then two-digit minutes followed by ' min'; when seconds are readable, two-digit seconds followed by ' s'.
5 h 53 min
